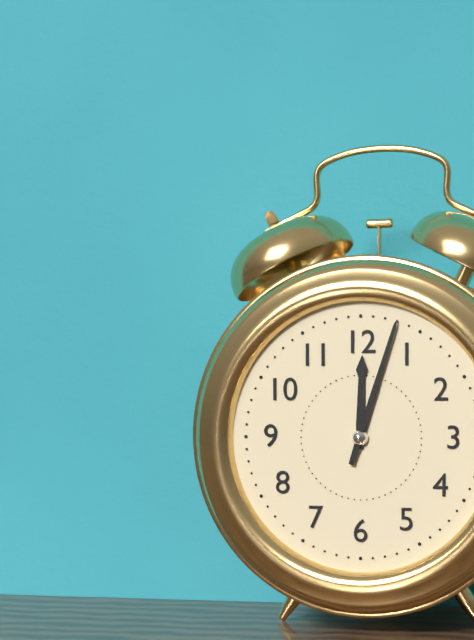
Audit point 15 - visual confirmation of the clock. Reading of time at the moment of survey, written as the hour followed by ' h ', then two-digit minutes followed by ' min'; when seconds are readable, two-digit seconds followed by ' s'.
12 h 03 min
